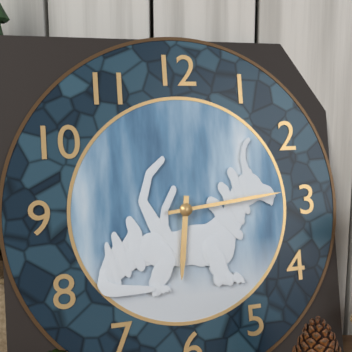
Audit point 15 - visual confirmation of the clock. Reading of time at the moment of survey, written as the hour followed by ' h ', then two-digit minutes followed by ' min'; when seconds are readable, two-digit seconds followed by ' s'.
6 h 14 min
